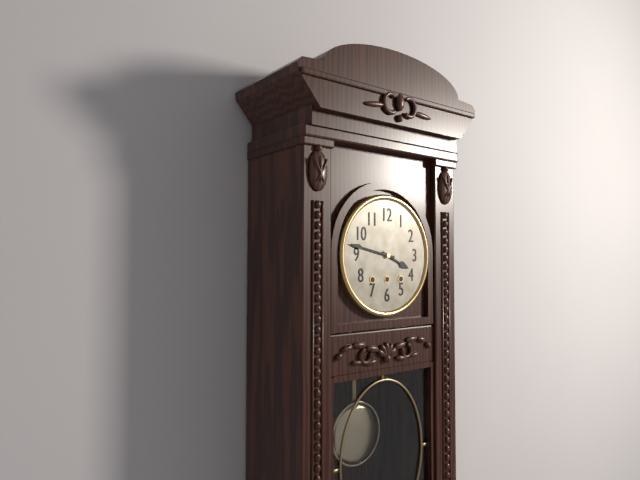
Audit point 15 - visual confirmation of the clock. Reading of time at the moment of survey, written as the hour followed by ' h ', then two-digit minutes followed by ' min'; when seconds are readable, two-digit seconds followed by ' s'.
3 h 47 min
